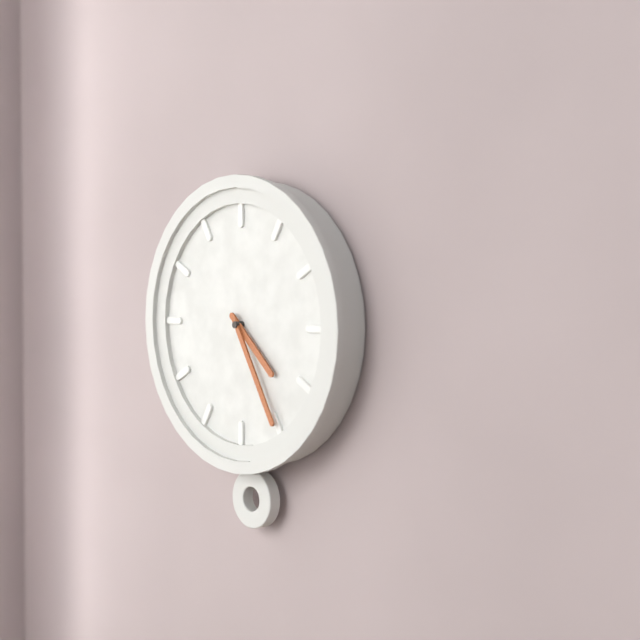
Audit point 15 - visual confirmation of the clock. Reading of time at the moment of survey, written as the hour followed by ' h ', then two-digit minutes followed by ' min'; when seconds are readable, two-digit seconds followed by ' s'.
4 h 25 min
